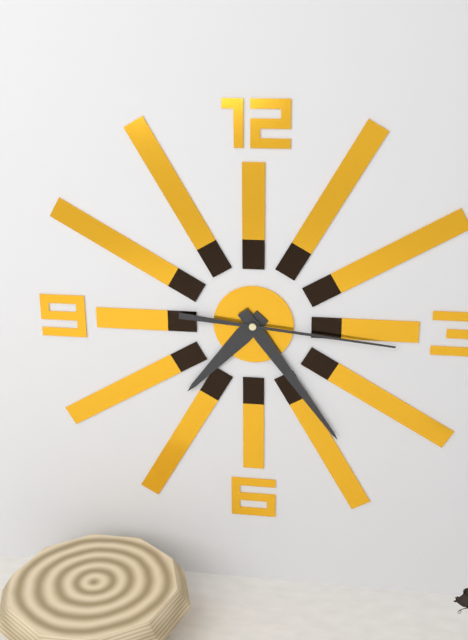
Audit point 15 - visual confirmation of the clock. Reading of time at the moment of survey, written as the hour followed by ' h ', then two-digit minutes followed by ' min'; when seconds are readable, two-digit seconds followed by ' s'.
7 h 24 min 16 s
